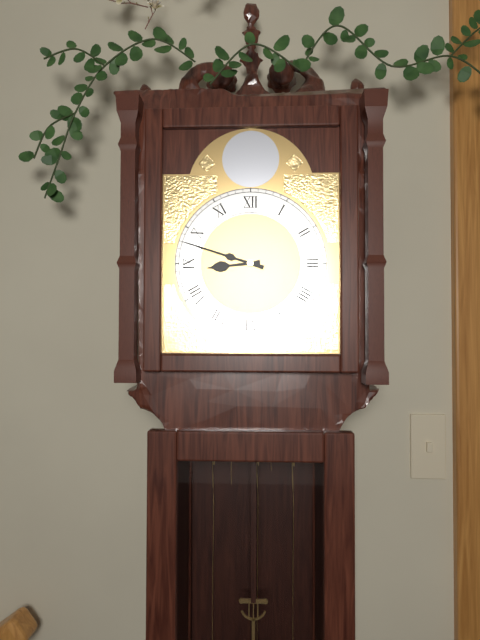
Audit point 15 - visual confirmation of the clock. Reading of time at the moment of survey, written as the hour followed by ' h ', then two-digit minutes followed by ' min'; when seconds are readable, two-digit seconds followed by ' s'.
8 h 48 min
